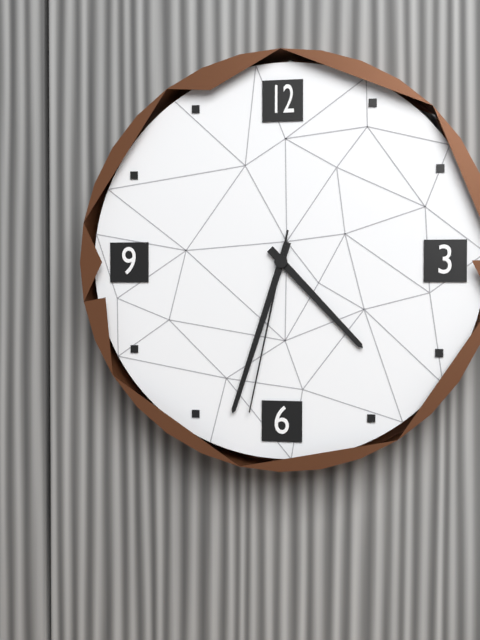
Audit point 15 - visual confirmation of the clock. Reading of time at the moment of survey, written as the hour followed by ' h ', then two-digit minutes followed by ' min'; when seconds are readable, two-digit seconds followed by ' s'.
4 h 33 min 32 s
